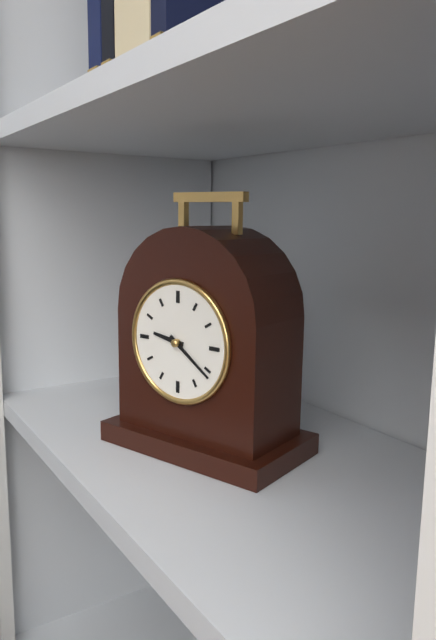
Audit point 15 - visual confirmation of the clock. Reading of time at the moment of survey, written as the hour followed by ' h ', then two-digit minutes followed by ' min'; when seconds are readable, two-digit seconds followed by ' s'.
9 h 21 min
